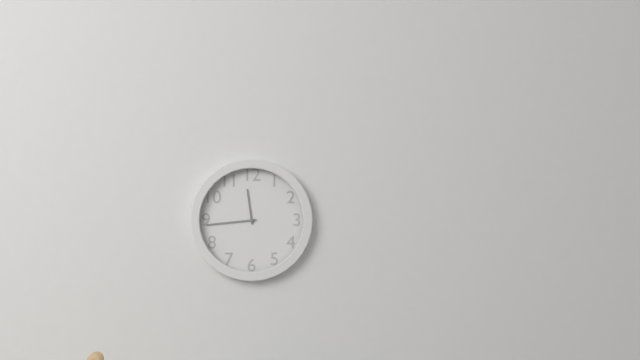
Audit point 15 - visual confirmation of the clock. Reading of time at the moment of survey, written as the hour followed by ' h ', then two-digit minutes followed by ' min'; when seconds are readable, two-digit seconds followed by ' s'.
11 h 44 min
